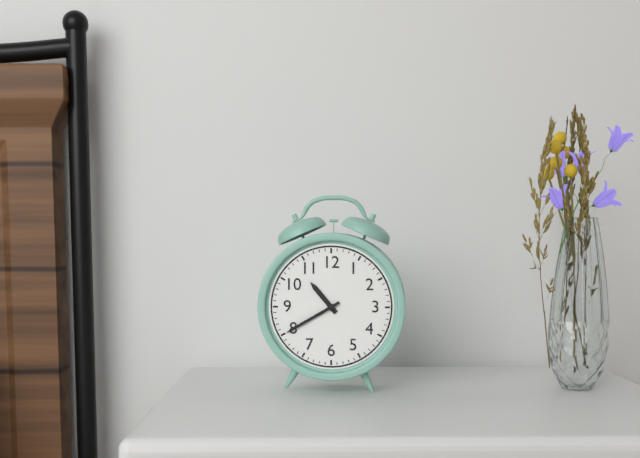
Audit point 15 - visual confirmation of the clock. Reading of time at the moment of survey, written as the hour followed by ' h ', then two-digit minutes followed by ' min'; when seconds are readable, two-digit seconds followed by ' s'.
10 h 40 min
